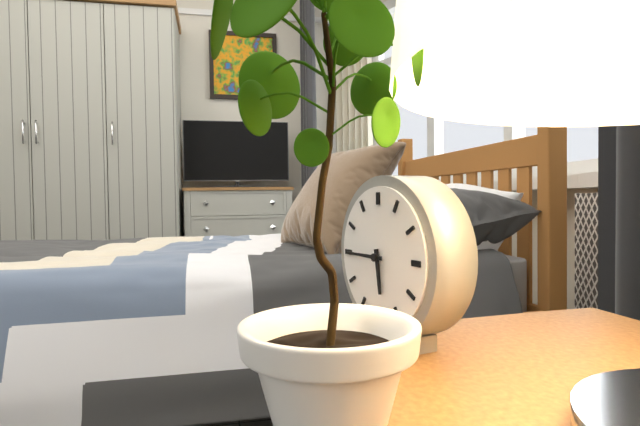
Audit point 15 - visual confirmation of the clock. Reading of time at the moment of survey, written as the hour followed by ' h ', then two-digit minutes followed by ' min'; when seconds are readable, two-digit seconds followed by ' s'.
5 h 45 min
